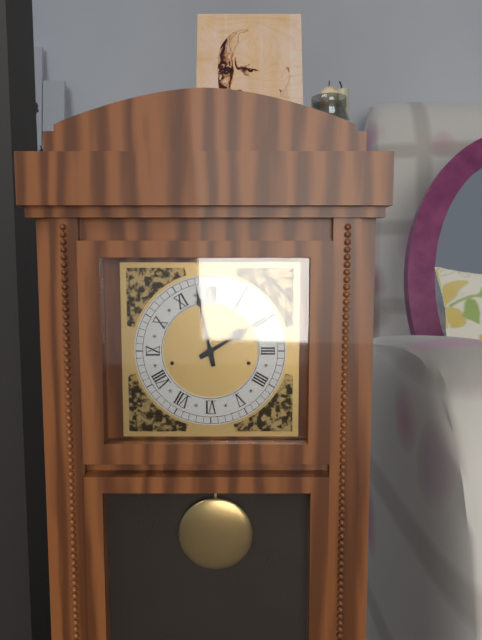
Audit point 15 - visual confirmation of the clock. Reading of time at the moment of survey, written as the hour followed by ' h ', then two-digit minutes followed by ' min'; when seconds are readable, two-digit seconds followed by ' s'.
1 h 58 min
